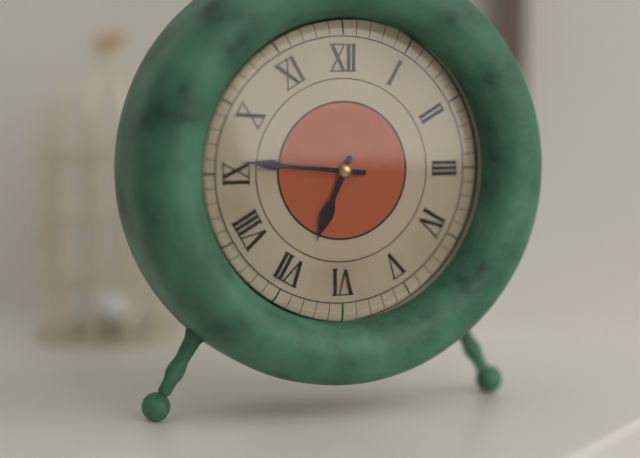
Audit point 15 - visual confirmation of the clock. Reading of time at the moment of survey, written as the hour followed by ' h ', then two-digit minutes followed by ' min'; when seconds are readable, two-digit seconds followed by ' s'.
6 h 46 min
